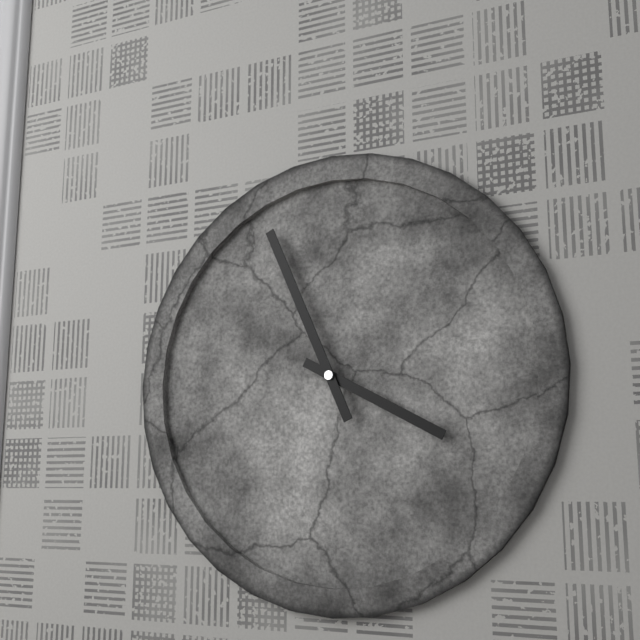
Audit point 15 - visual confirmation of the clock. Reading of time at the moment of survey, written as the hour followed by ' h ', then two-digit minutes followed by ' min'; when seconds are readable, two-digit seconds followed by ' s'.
3 h 56 min
